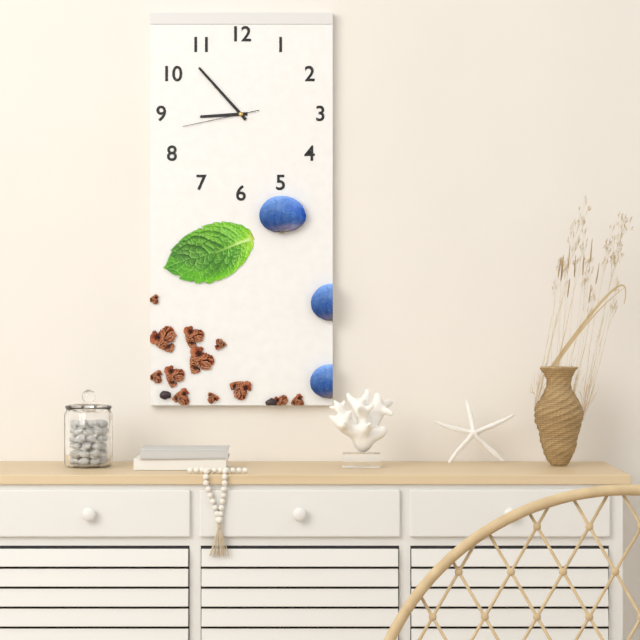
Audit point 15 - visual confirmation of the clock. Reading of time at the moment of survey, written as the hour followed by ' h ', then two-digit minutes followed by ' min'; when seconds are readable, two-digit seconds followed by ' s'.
8 h 53 min 43 s
